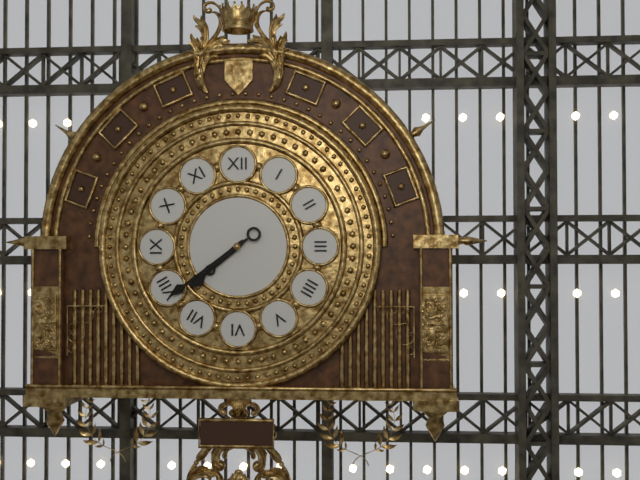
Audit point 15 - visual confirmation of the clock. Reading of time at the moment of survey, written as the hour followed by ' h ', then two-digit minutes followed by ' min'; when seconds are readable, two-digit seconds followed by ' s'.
7 h 39 min
